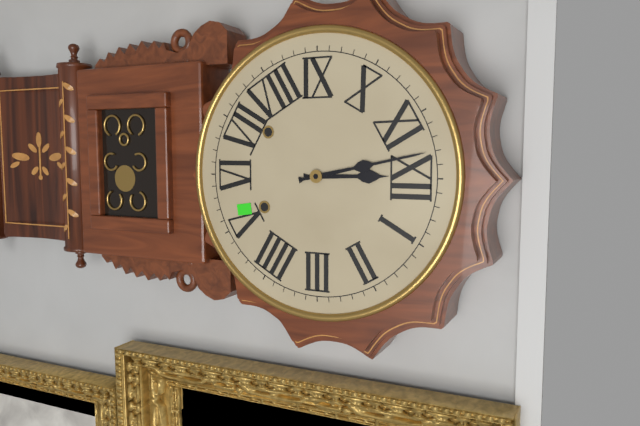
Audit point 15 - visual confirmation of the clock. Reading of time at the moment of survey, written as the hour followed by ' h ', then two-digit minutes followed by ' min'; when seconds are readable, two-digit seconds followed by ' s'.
11 h 58 min
